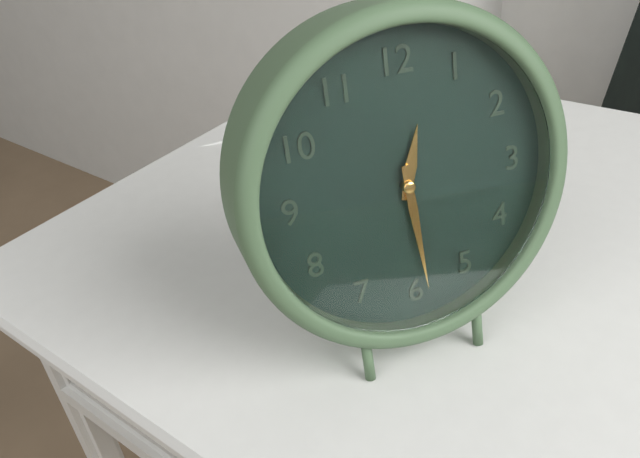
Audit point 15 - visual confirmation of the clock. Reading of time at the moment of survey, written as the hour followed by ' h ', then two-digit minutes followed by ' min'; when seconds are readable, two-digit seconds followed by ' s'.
12 h 29 min
